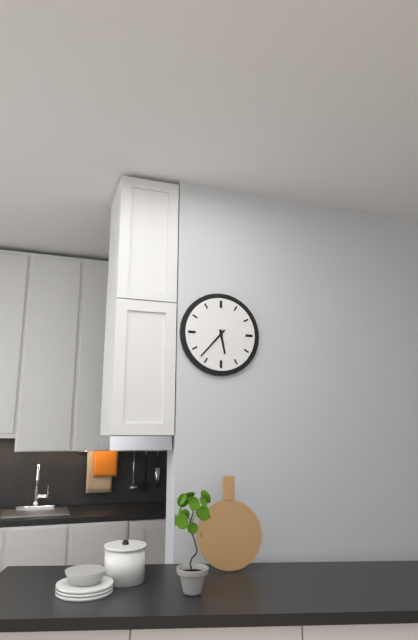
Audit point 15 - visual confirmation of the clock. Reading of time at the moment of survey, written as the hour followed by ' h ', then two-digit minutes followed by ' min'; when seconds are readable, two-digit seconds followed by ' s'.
5 h 37 min
